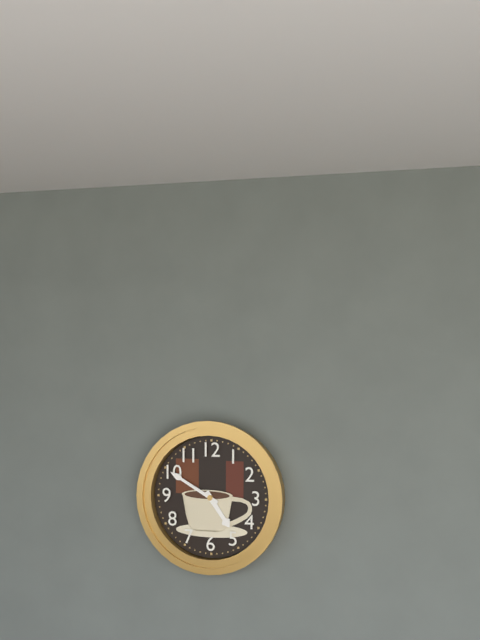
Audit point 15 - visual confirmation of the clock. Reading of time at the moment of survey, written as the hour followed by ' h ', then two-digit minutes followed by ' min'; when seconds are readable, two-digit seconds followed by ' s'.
4 h 50 min
